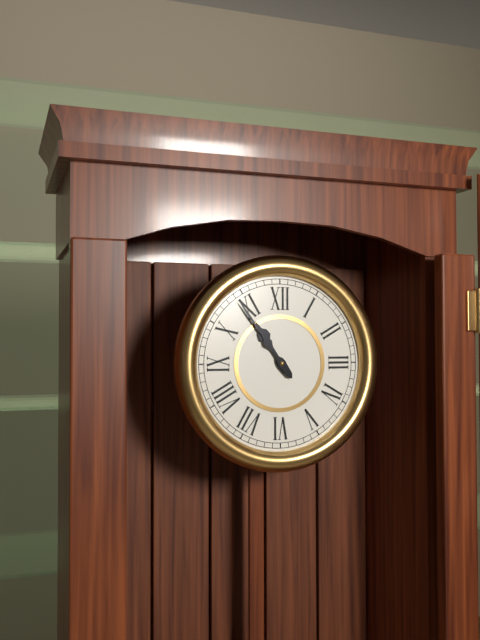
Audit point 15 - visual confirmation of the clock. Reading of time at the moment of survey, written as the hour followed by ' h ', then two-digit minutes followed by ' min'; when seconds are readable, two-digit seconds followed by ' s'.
10 h 54 min
